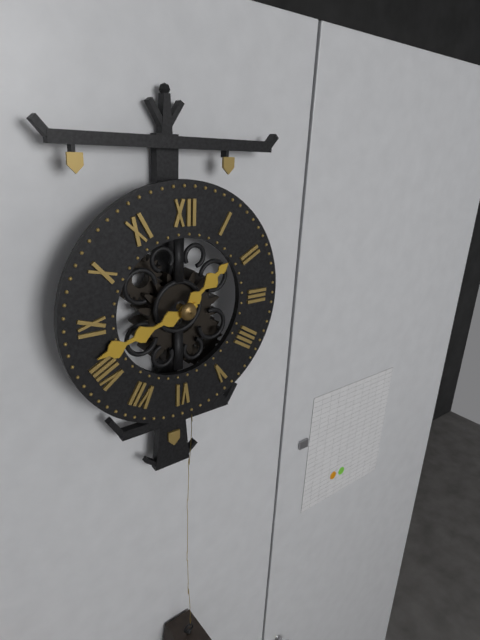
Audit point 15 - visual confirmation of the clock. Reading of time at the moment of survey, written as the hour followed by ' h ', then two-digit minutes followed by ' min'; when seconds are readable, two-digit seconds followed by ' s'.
1 h 42 min
